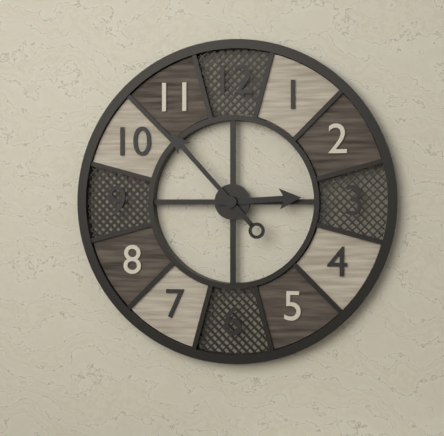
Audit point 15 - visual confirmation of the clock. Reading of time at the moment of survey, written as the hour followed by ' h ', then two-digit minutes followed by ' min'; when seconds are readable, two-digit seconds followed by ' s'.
2 h 53 min
